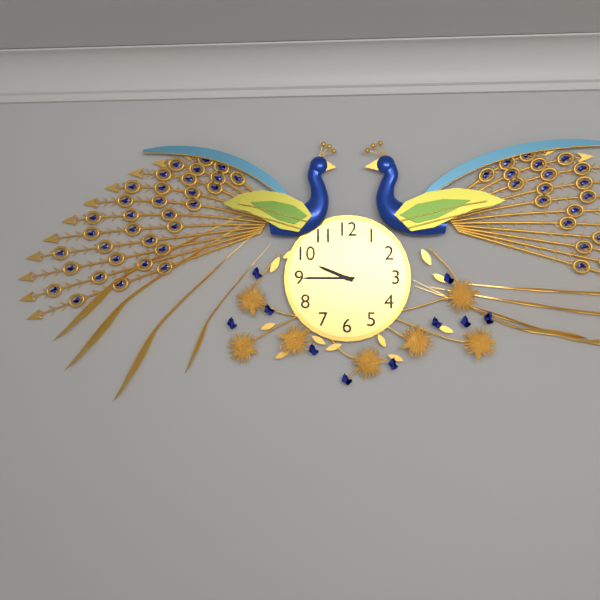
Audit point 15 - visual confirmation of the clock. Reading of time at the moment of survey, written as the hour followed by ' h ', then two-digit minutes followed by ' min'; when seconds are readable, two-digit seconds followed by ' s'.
9 h 45 min
